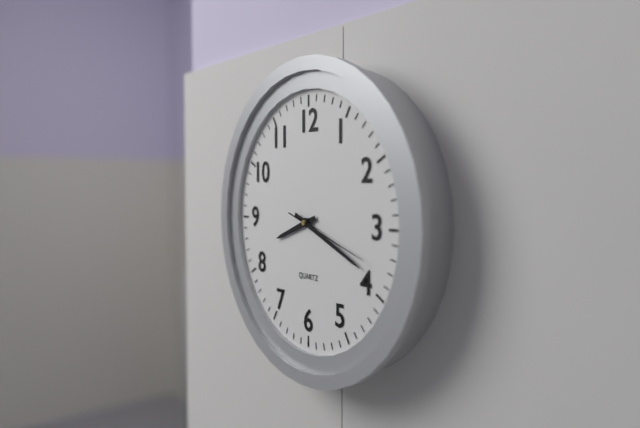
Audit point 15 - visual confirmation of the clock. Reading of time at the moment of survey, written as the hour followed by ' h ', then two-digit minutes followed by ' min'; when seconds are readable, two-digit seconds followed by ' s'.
8 h 19 min 18 s
